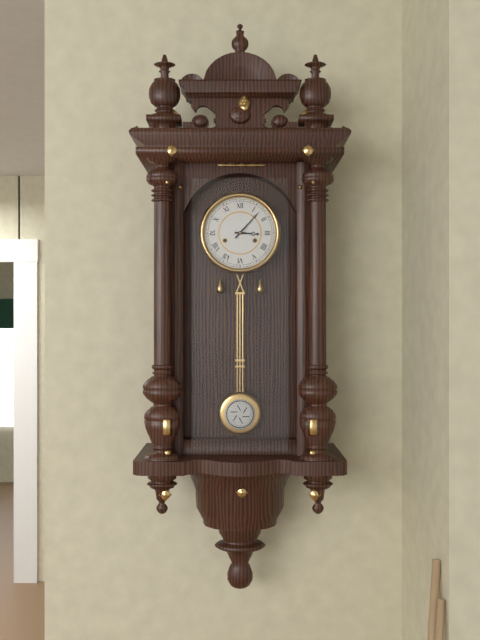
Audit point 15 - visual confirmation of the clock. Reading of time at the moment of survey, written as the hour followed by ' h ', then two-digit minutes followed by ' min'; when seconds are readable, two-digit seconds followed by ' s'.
3 h 07 min
